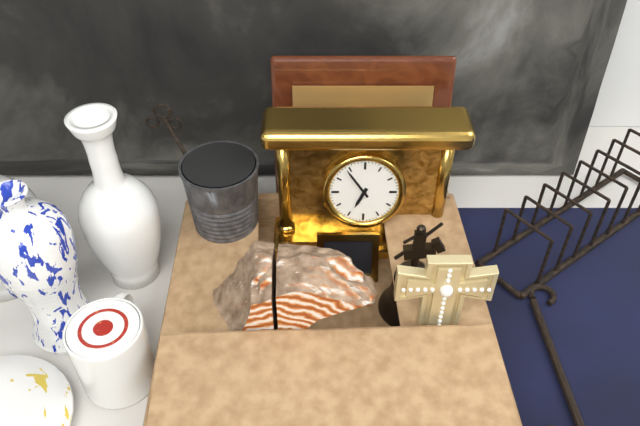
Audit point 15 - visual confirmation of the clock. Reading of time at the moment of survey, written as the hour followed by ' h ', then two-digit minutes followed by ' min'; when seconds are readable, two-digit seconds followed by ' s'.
6 h 54 min
